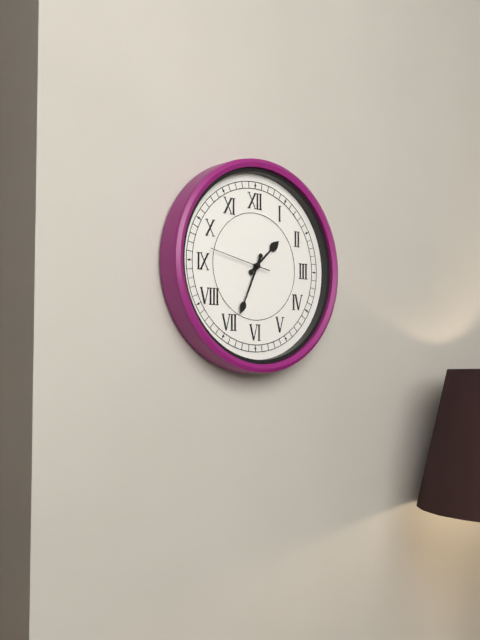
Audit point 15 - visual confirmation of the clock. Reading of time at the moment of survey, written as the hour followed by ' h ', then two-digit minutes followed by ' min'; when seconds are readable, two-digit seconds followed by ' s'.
1 h 34 min
